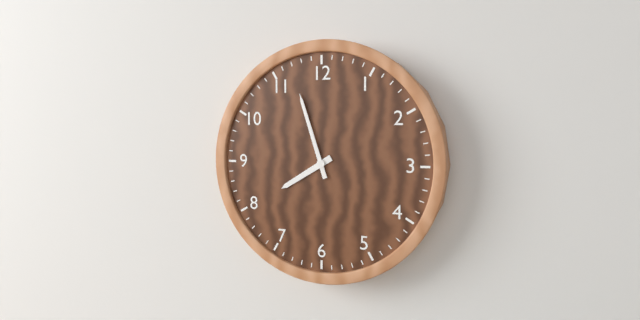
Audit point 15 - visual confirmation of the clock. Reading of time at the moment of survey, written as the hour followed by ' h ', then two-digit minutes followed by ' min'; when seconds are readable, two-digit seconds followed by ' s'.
7 h 57 min
